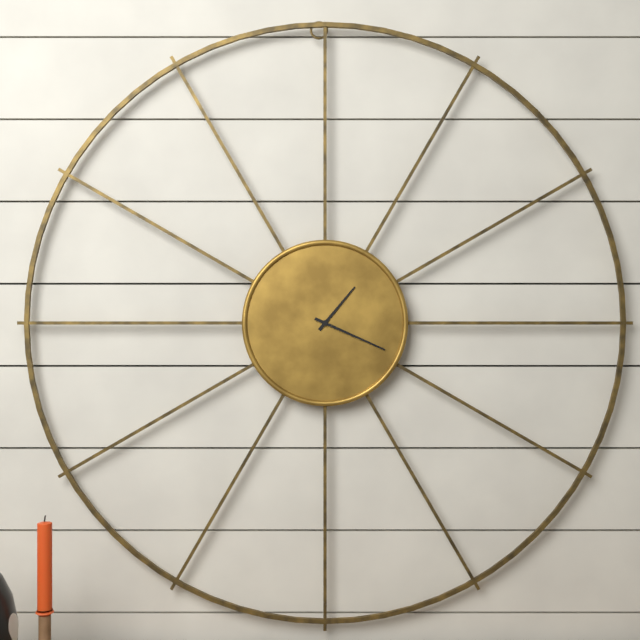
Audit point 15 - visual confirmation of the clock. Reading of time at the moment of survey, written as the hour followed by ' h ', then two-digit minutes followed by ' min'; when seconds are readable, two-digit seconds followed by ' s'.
1 h 19 min
